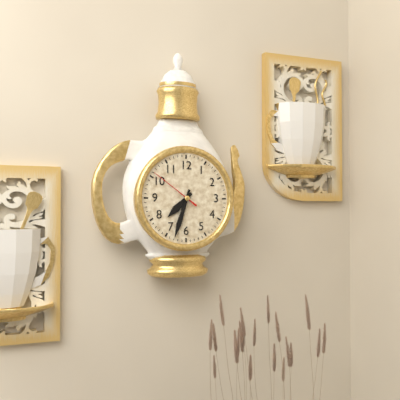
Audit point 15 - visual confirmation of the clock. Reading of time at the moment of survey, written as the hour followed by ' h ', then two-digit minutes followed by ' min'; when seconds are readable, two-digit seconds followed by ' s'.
7 h 33 min 51 s
